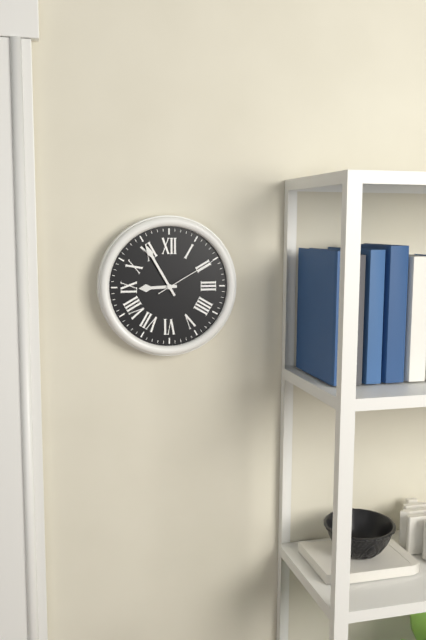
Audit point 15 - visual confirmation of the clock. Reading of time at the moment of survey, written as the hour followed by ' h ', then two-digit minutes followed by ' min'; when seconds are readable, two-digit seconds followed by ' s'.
8 h 55 min 10 s
